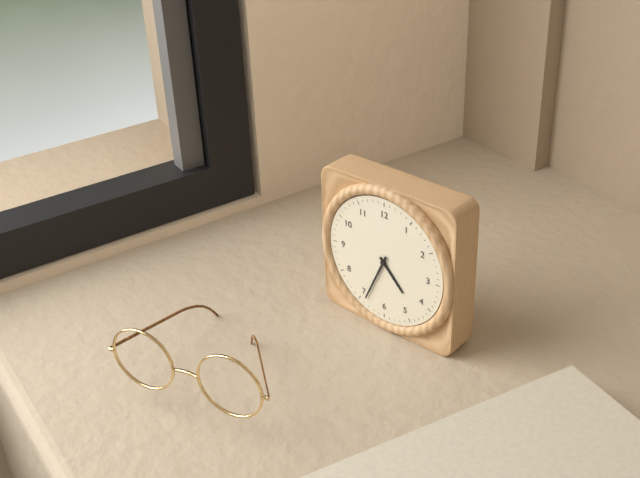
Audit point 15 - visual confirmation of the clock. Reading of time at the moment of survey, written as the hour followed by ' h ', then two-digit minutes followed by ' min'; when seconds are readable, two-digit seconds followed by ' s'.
4 h 34 min
